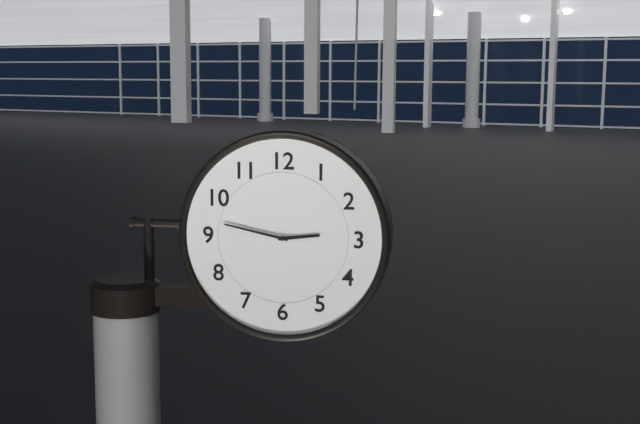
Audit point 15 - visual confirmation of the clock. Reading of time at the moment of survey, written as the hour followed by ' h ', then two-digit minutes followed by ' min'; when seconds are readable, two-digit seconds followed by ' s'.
2 h 47 min
